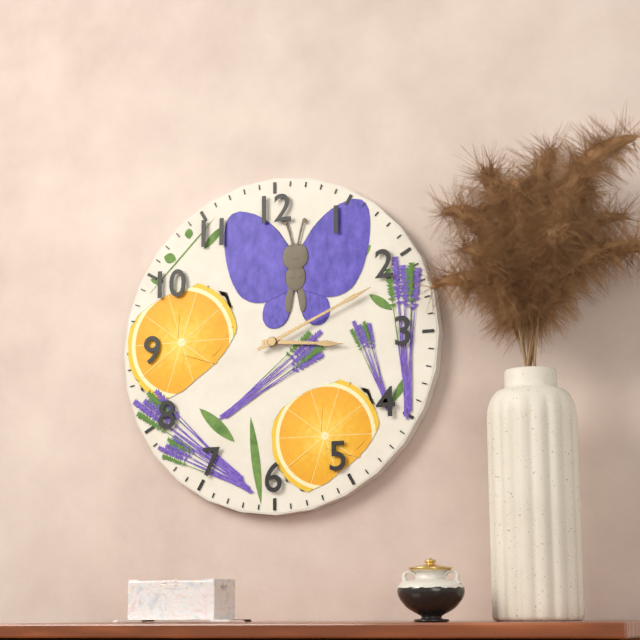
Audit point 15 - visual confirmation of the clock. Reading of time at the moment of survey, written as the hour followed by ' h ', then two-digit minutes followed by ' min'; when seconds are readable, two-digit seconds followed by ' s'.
3 h 11 min
